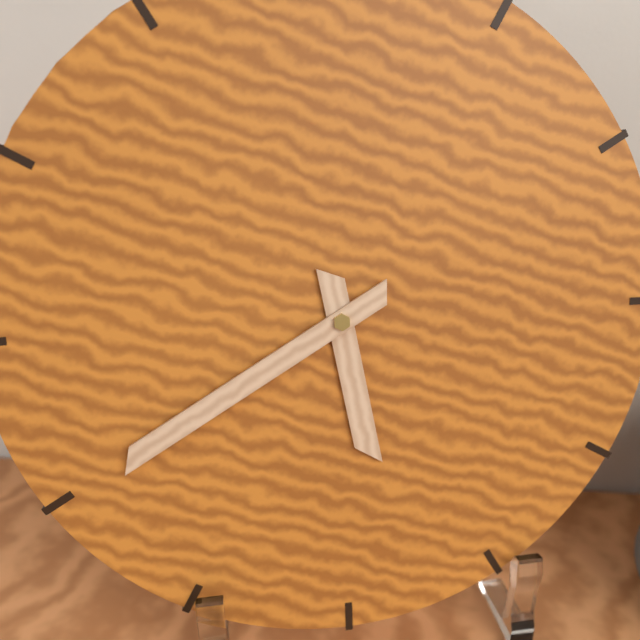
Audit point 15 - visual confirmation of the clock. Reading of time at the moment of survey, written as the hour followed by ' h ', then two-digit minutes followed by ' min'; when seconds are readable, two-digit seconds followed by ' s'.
5 h 40 min
